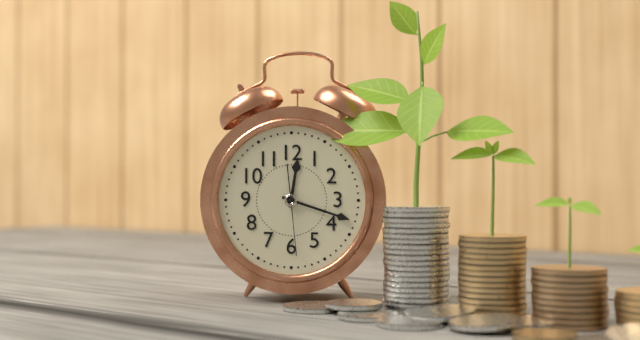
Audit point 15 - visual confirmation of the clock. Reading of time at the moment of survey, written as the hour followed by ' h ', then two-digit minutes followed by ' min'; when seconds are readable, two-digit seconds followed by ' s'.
12 h 18 min 29 s
